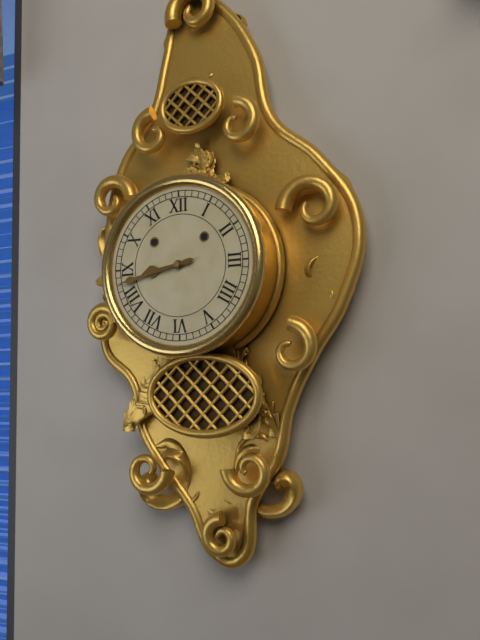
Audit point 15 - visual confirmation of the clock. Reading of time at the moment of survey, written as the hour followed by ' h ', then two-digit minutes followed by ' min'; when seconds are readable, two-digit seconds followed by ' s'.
8 h 43 min
